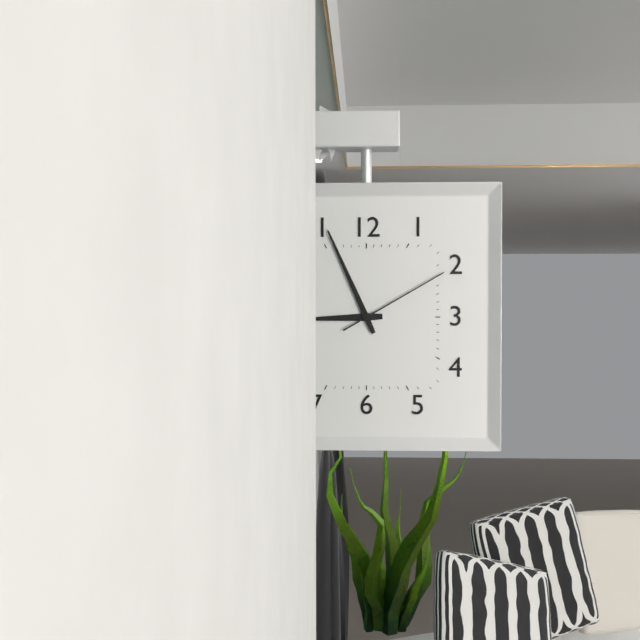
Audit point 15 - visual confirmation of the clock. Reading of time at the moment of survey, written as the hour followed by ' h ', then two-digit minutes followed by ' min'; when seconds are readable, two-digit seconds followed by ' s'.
8 h 56 min 10 s
